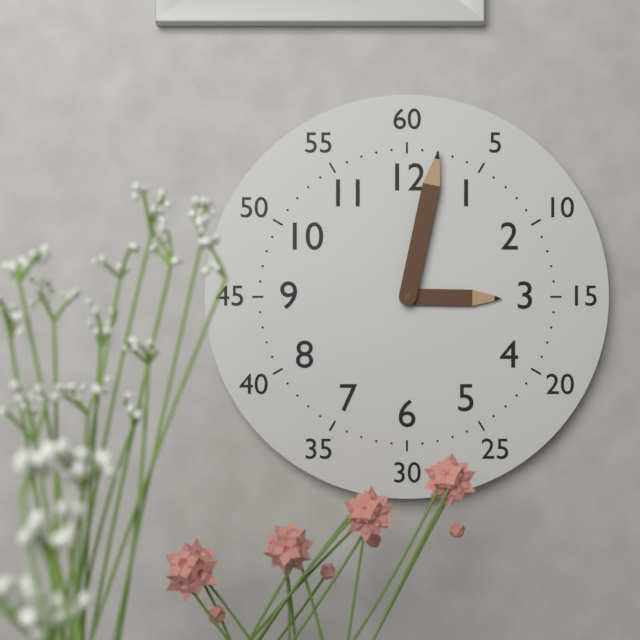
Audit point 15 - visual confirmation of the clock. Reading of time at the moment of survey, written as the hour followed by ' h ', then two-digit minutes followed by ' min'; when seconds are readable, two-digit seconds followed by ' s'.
3 h 02 min
